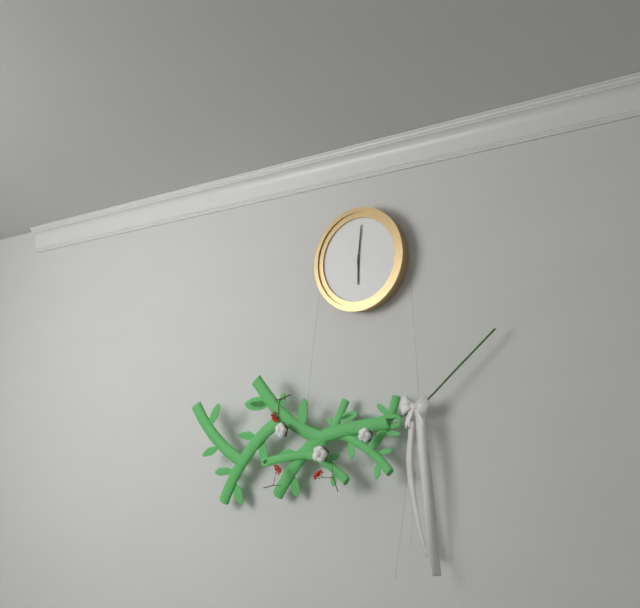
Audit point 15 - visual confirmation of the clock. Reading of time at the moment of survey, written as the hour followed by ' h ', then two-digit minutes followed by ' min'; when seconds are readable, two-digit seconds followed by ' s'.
6 h 01 min
